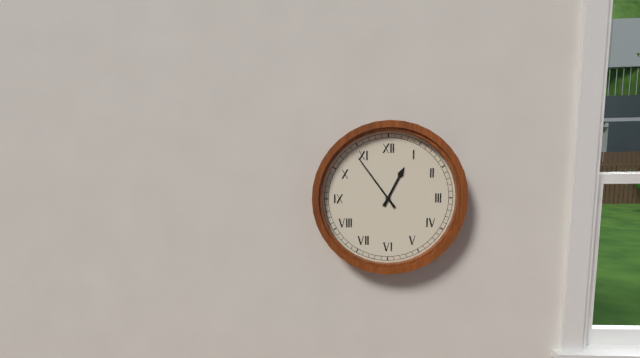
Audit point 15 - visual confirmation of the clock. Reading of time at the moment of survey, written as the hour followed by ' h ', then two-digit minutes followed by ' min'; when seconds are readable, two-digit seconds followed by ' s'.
12 h 54 min
